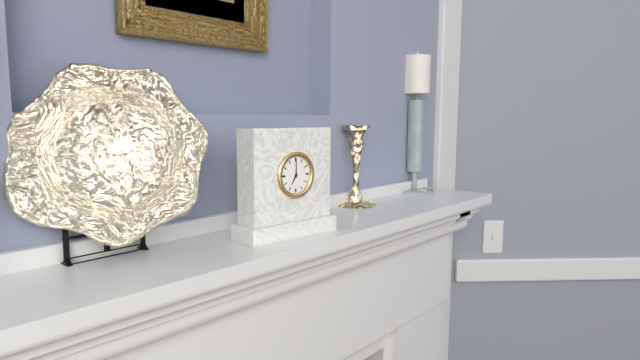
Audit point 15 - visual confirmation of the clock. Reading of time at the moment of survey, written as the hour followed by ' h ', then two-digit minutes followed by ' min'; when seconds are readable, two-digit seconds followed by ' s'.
7 h 00 min
